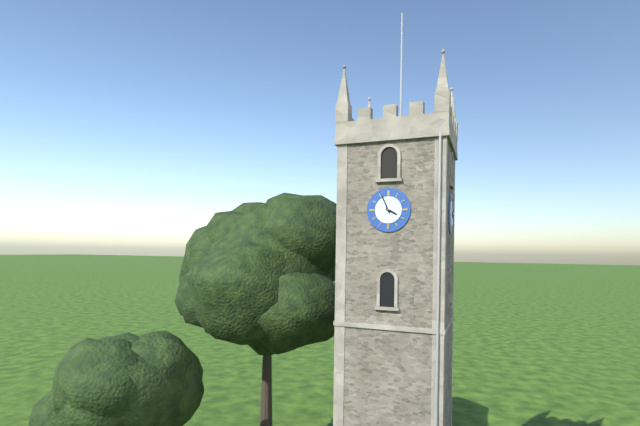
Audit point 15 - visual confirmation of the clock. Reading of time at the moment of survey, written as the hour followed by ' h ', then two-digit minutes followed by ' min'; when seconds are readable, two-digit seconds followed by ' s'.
3 h 56 min
